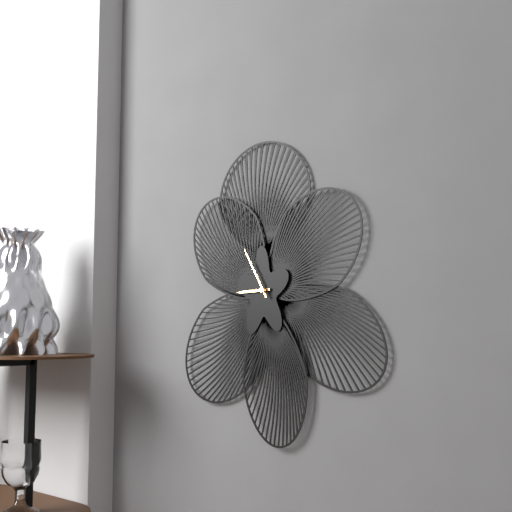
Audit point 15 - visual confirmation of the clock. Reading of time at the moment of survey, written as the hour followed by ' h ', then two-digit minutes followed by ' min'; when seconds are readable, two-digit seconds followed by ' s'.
8 h 55 min
